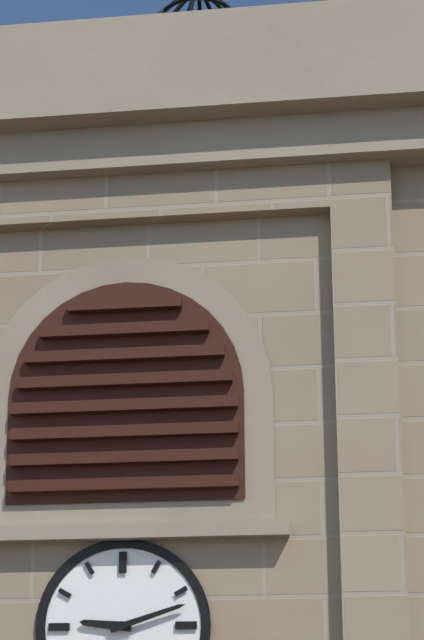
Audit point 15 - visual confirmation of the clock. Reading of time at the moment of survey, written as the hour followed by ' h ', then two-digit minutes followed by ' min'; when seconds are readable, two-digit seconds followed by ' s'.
9 h 12 min
